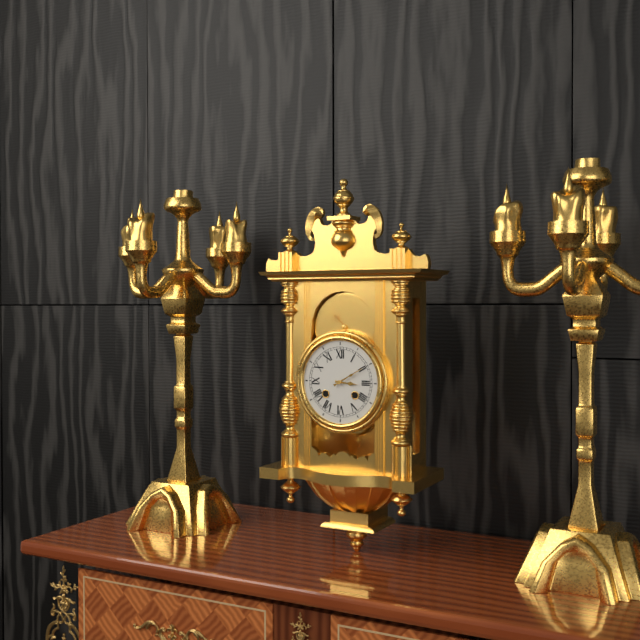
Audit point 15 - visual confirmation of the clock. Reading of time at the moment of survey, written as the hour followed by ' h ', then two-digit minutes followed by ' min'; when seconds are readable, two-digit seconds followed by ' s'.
3 h 10 min
